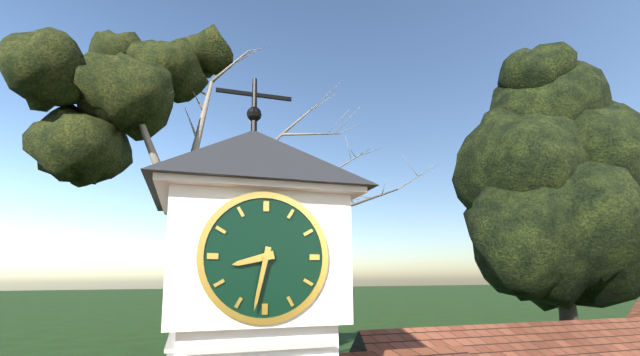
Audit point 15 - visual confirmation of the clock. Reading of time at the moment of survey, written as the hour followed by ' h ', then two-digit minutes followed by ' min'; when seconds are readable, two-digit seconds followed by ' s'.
8 h 32 min
